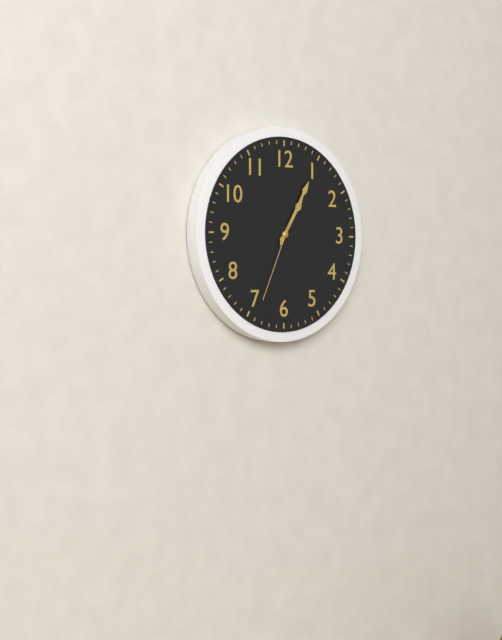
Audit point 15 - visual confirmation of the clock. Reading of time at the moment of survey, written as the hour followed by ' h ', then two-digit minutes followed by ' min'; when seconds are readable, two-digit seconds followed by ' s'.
1 h 05 min 34 s
